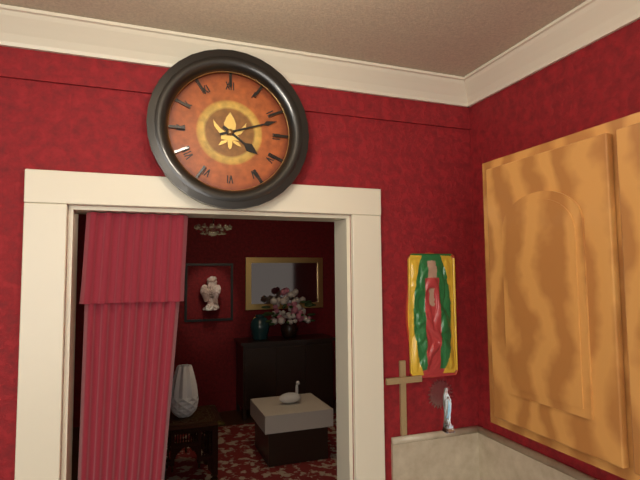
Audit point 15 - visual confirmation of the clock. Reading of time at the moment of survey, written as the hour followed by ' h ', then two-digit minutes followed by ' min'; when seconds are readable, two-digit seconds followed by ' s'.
4 h 12 min
